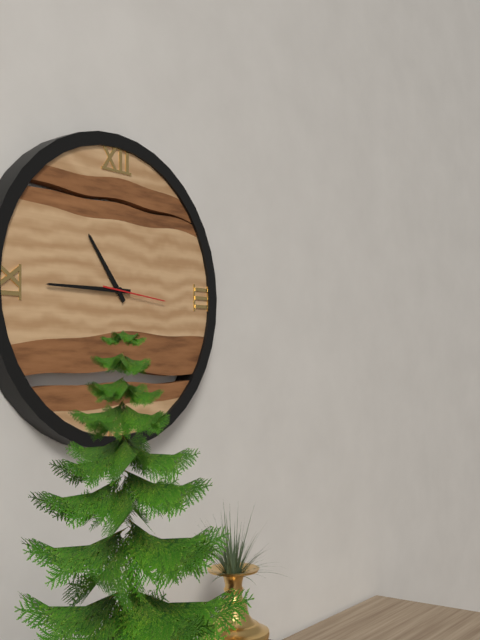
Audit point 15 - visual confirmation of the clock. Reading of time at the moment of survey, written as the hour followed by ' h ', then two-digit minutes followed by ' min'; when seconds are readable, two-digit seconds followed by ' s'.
10 h 45 min 16 s
